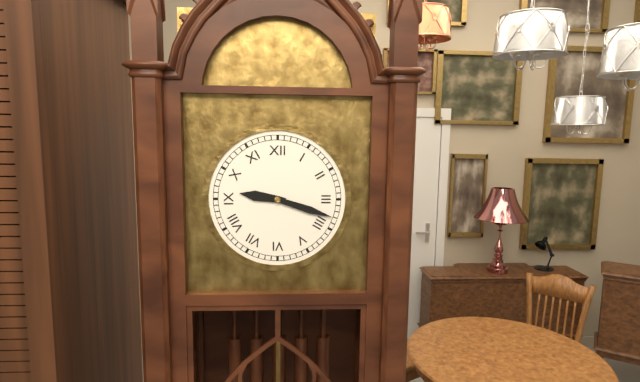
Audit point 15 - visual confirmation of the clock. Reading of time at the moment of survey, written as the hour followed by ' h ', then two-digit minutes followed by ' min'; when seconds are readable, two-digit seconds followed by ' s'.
9 h 18 min
